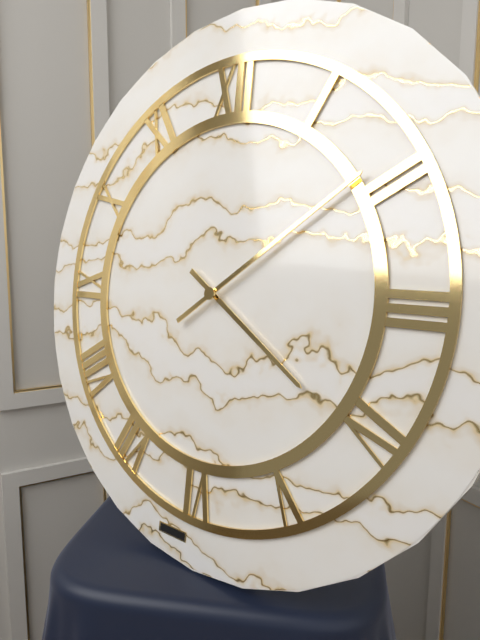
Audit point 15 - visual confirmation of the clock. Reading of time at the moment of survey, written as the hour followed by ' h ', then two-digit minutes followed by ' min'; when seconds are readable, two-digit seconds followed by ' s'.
4 h 09 min
